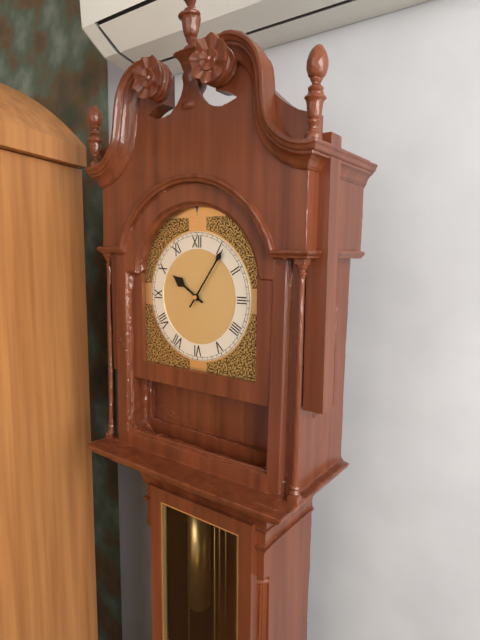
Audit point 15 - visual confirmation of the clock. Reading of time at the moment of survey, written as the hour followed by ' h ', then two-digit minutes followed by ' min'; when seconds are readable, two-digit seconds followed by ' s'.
10 h 06 min
